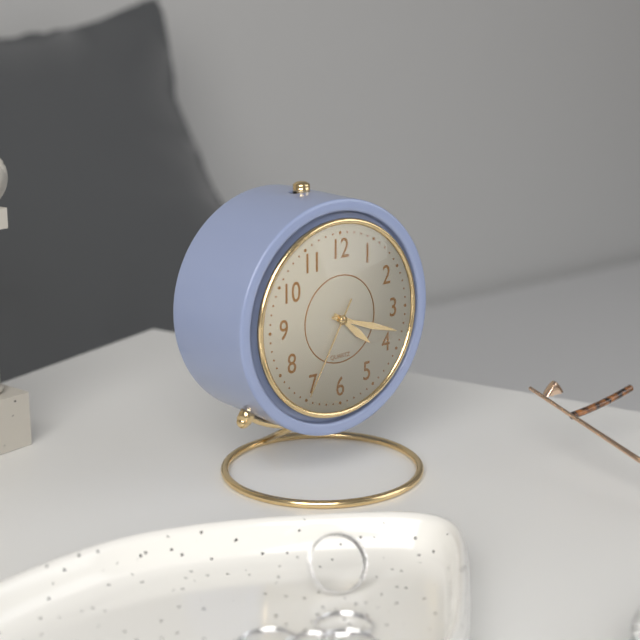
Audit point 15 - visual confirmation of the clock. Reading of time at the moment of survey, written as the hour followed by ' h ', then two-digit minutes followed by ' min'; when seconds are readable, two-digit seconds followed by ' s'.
4 h 18 min 35 s
